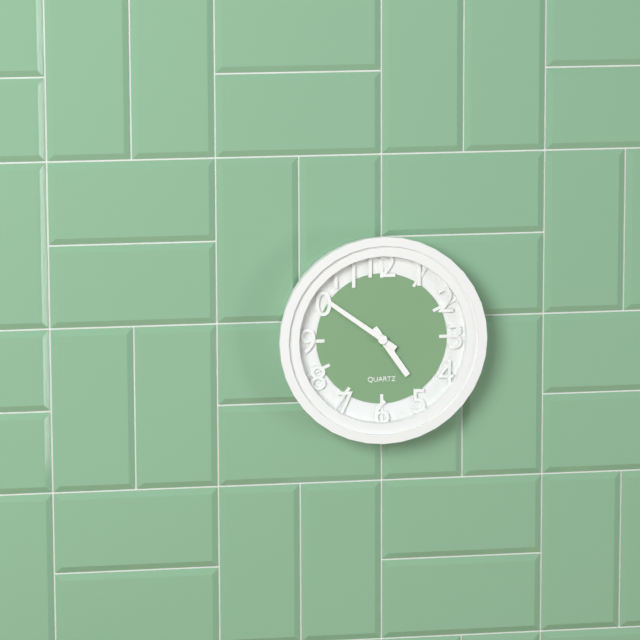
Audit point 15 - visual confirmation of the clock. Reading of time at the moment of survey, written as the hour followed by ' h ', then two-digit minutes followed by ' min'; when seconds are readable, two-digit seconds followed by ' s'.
4 h 51 min
